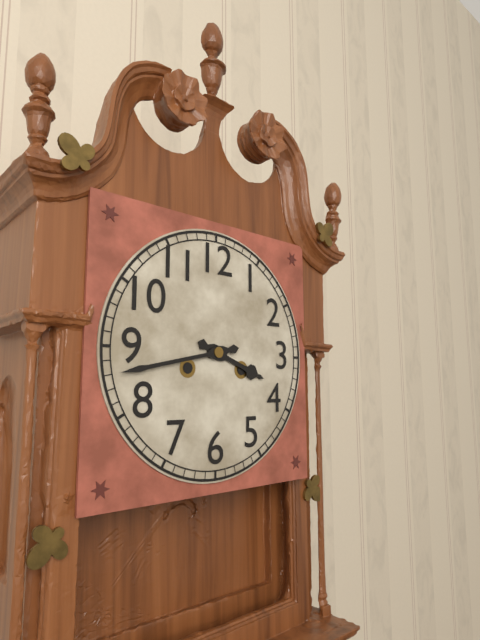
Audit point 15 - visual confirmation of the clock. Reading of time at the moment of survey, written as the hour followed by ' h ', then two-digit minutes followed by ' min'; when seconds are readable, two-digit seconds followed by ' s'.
3 h 43 min
